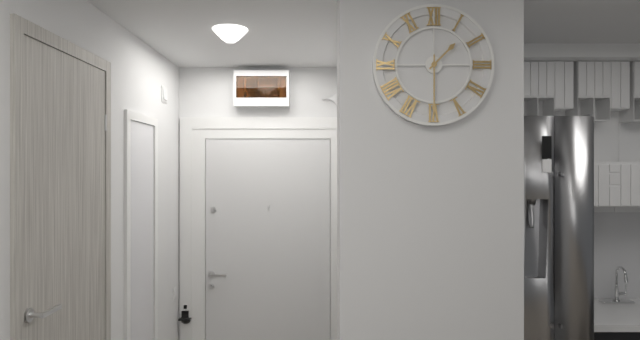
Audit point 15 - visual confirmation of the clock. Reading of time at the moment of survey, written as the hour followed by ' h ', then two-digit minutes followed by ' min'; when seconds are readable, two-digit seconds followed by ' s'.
1 h 30 min
